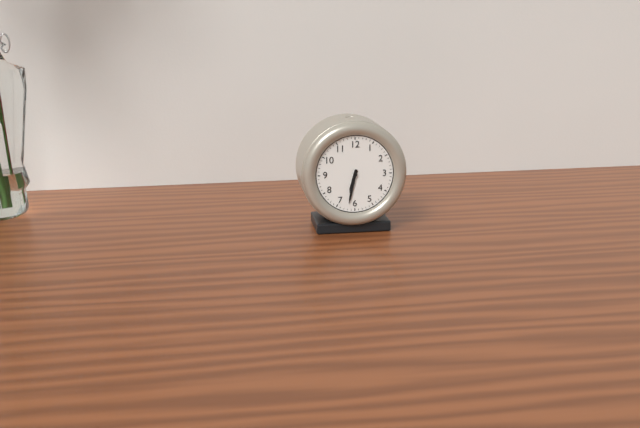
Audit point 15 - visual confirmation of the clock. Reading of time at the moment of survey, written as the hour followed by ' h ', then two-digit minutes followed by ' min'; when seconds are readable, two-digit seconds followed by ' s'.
6 h 32 min
